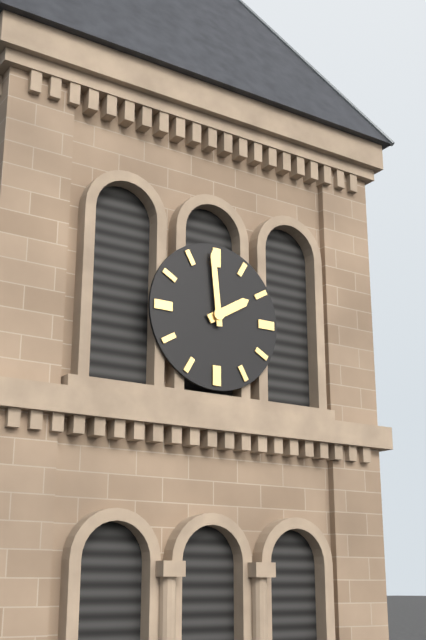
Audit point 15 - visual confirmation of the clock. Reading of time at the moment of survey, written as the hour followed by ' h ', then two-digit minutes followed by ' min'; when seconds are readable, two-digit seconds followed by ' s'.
1 h 59 min
